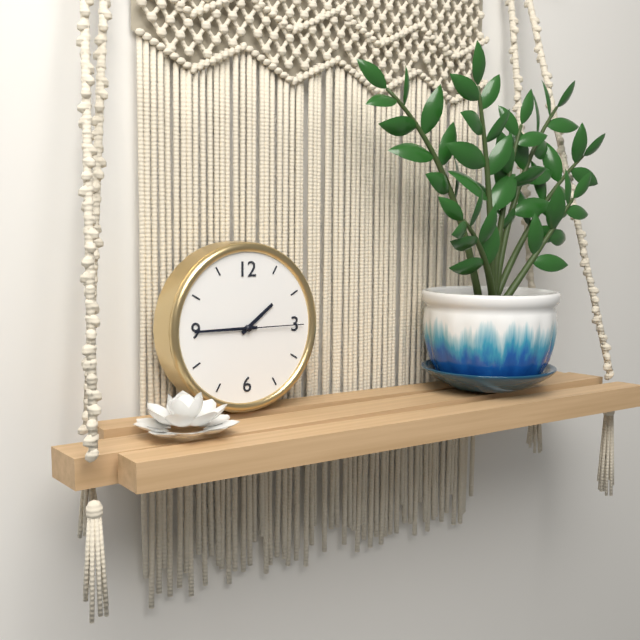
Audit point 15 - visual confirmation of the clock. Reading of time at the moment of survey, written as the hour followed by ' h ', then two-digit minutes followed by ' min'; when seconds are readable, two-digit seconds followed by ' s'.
1 h 45 min 15 s
